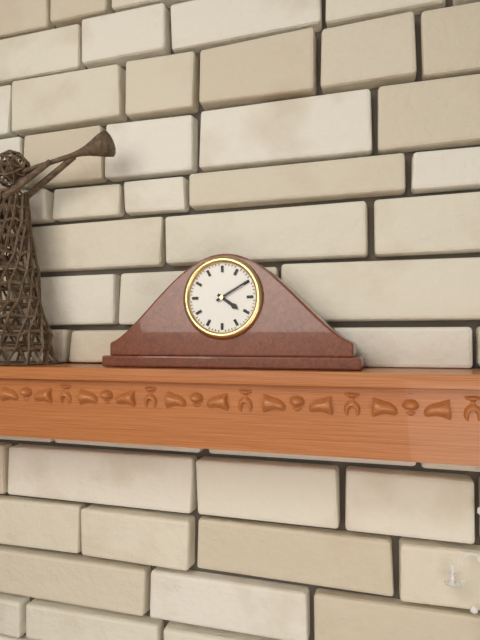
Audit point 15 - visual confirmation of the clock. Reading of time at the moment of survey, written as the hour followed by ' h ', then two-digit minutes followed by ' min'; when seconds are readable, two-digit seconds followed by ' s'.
4 h 10 min
